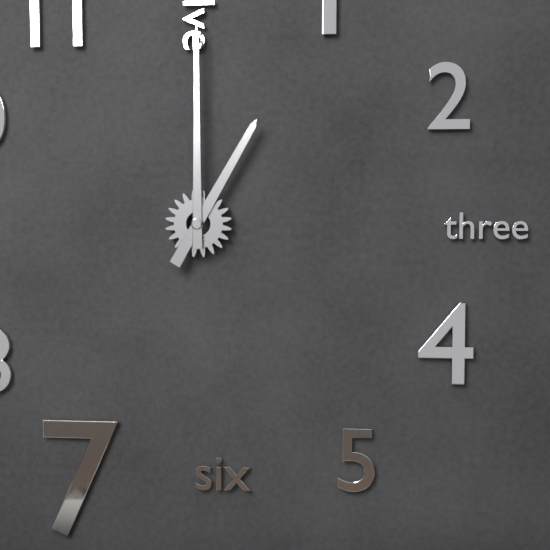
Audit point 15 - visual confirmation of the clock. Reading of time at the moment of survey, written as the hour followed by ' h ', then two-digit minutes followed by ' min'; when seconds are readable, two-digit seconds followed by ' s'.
1 h 00 min
